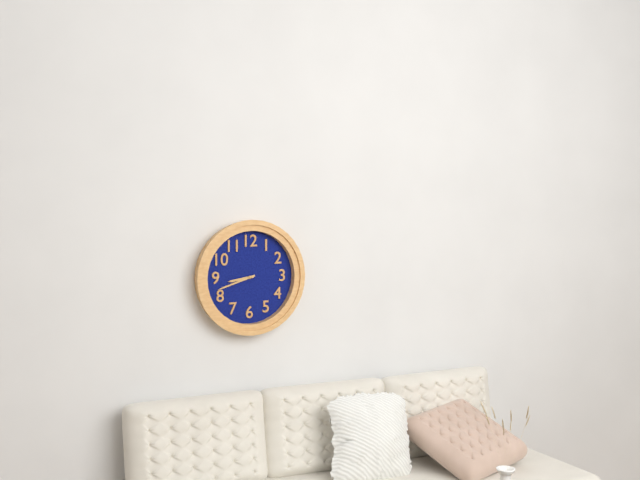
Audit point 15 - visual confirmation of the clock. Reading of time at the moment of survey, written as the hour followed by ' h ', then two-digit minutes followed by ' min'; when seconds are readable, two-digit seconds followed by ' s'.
8 h 42 min
